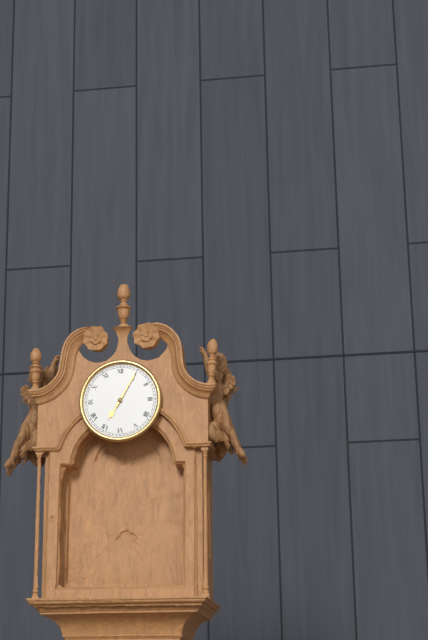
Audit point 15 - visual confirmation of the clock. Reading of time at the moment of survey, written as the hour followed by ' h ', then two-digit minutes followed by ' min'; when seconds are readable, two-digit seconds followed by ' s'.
7 h 05 min
